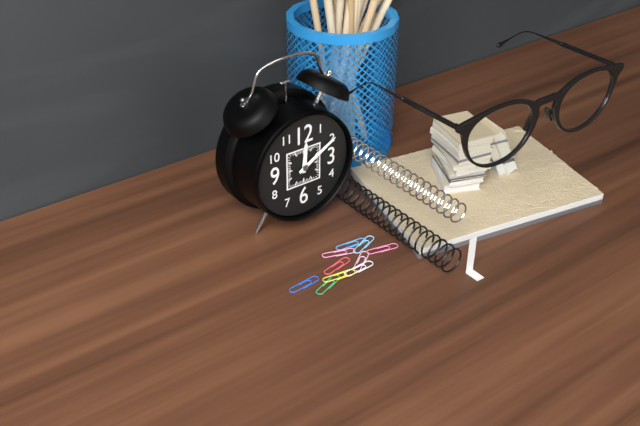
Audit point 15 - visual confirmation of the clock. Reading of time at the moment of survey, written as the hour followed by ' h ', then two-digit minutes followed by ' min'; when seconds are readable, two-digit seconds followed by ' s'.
12 h 10 min
